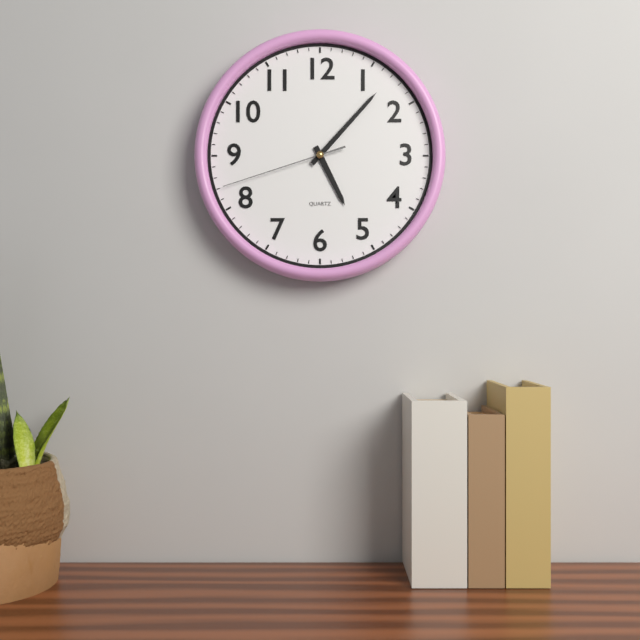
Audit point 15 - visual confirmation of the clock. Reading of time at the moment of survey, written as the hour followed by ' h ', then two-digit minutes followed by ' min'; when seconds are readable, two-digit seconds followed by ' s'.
5 h 07 min 42 s
